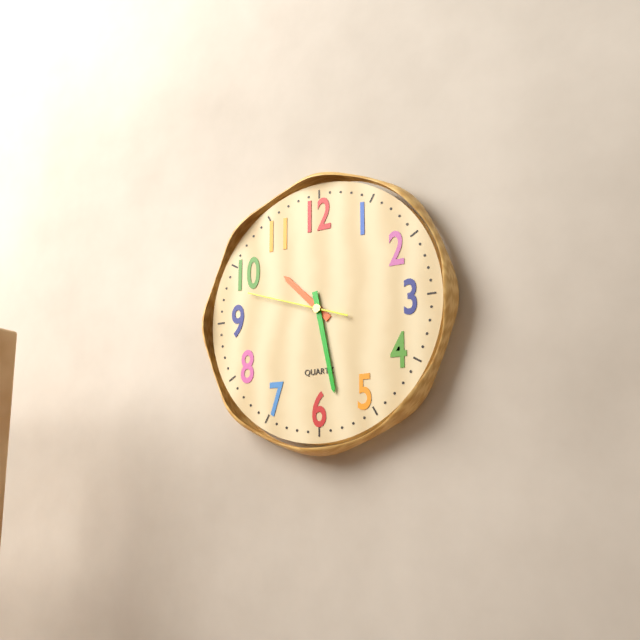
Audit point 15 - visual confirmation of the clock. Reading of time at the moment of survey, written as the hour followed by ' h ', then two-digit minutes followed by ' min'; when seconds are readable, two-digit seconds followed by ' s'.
10 h 28 min 48 s
